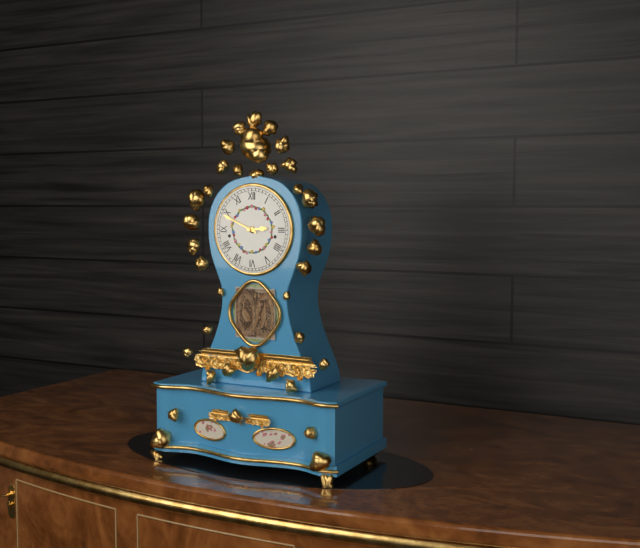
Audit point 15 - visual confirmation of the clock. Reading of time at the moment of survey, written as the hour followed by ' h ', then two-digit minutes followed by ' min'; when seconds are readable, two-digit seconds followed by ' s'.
2 h 49 min
